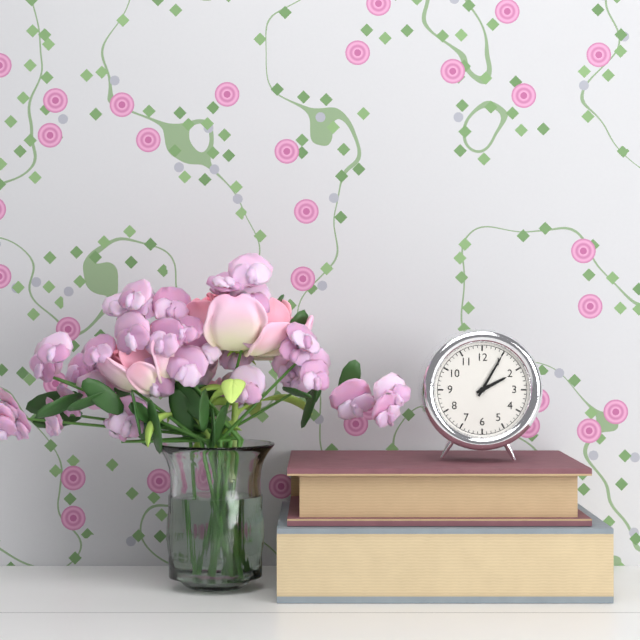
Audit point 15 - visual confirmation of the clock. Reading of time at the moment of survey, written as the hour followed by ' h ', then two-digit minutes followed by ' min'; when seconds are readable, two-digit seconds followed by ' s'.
2 h 05 min
